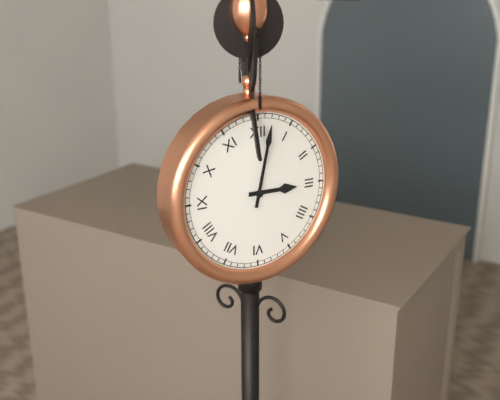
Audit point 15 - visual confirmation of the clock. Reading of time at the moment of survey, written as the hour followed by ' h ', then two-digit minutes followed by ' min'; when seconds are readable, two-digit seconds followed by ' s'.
3 h 02 min
